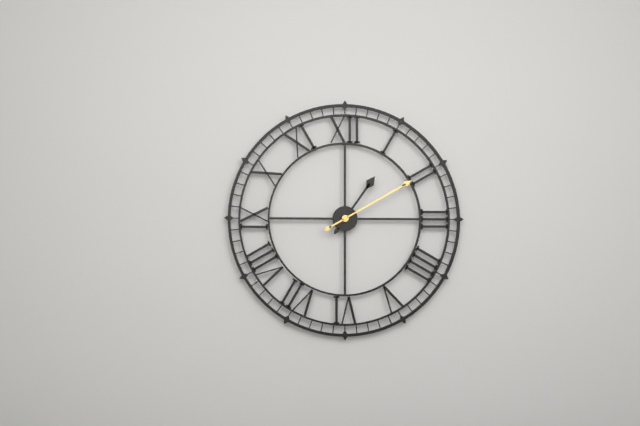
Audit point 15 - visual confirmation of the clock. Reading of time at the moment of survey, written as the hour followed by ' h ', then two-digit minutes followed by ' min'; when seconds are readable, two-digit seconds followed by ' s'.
1 h 10 min
